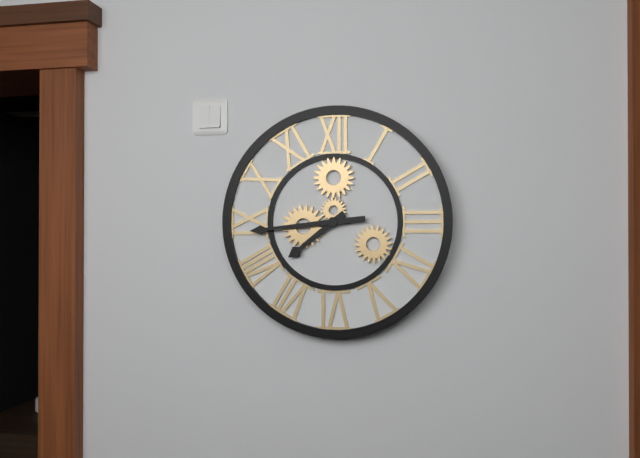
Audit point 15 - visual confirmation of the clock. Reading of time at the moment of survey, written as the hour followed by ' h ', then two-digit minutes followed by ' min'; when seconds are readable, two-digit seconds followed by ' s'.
7 h 44 min
